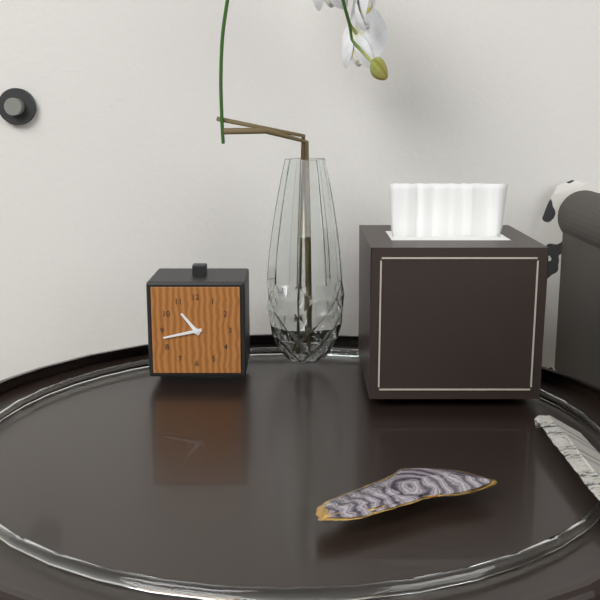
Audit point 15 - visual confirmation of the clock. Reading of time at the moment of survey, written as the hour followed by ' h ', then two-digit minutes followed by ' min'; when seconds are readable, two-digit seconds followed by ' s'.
10 h 43 min
